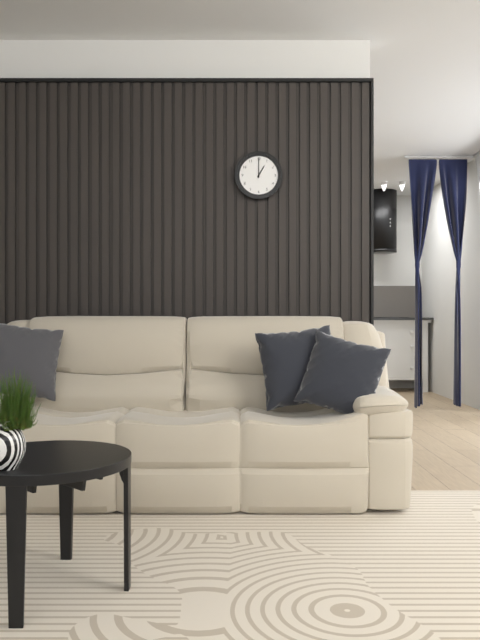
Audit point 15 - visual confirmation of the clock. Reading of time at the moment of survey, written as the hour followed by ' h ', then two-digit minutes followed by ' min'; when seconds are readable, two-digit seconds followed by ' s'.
1 h 00 min
